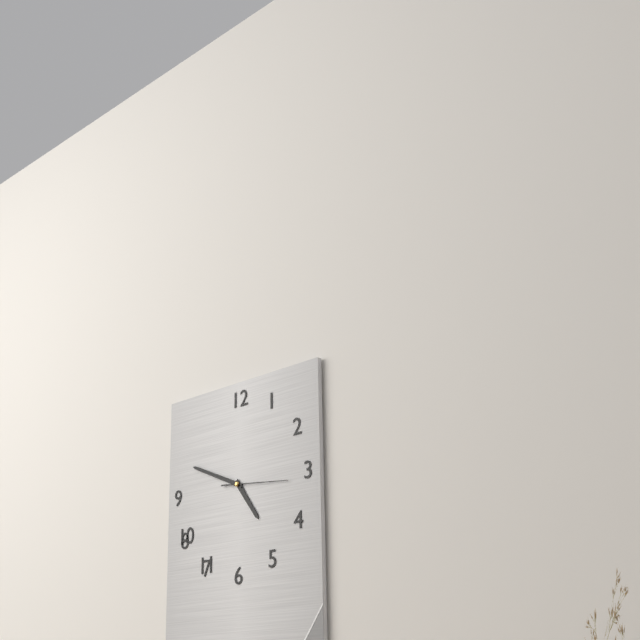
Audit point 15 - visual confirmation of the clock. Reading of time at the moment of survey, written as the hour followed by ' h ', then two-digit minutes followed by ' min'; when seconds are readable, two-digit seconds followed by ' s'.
4 h 49 min 16 s
